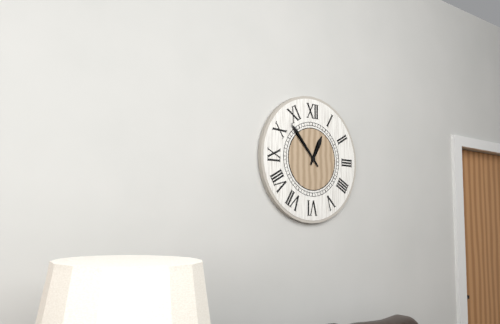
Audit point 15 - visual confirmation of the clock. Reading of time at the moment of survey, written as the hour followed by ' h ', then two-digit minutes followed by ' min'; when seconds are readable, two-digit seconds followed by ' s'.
12 h 53 min
